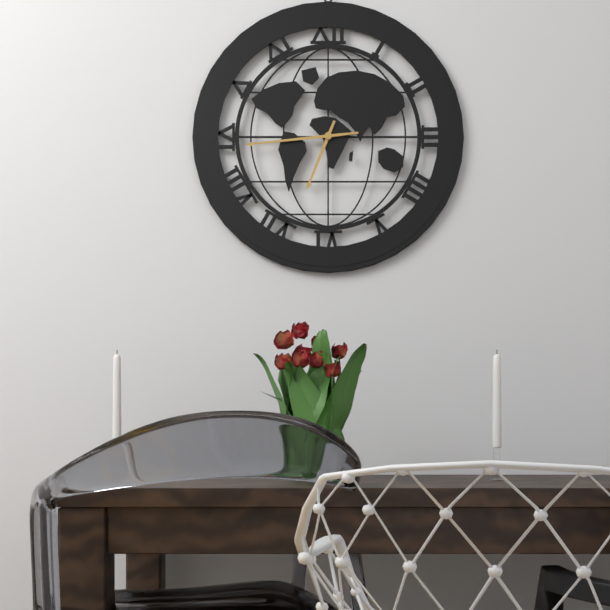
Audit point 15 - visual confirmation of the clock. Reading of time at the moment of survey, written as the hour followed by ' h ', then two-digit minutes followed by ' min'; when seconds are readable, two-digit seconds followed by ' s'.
6 h 44 min
